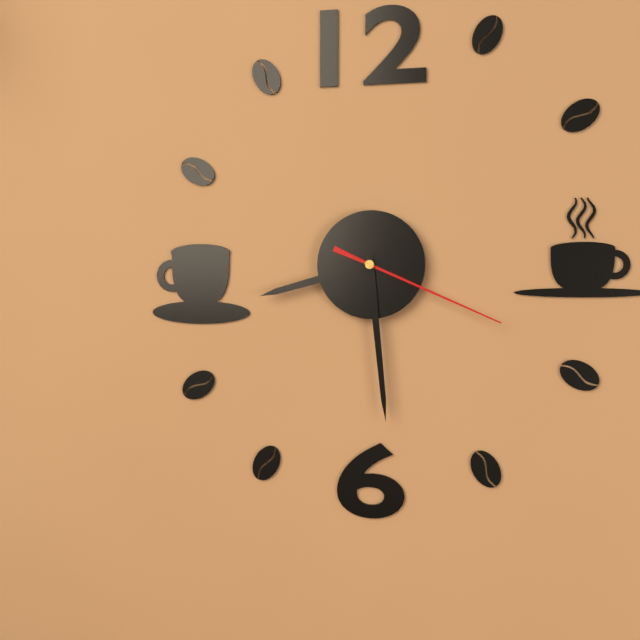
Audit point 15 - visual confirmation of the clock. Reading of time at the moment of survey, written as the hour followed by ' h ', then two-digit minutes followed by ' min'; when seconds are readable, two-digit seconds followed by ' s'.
8 h 29 min 19 s
